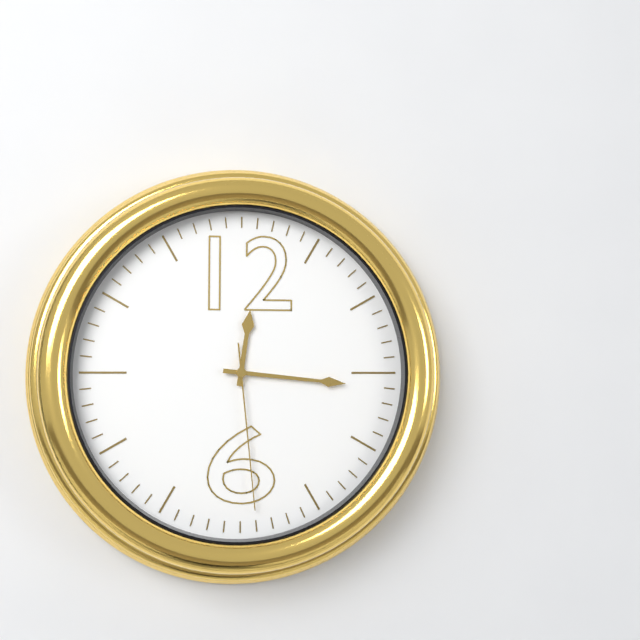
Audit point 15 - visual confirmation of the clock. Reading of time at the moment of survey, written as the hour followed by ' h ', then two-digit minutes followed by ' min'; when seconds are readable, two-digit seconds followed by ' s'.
12 h 16 min 29 s
